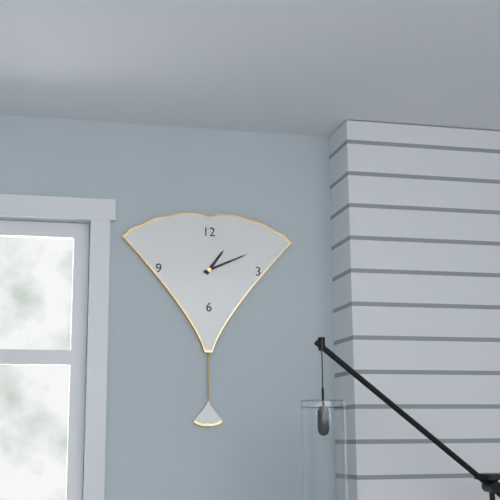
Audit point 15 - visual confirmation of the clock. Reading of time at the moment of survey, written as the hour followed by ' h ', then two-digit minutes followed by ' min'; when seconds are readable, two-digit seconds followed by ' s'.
1 h 11 min
